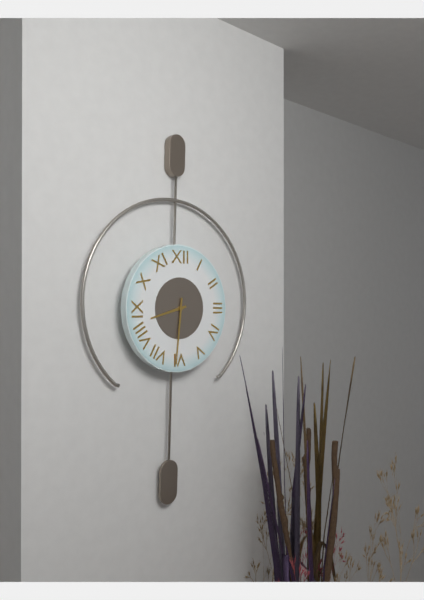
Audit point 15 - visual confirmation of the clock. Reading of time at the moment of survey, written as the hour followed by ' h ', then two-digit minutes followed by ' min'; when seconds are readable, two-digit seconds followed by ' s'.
8 h 31 min
